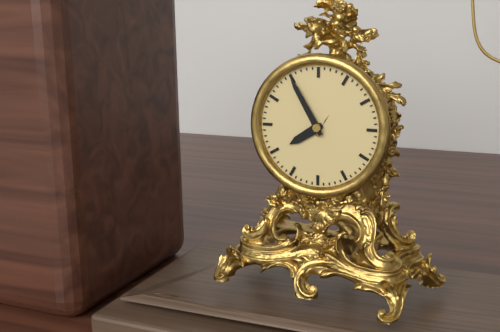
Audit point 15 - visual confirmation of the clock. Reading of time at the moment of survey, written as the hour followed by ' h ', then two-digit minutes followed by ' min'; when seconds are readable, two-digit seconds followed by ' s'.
7 h 55 min
